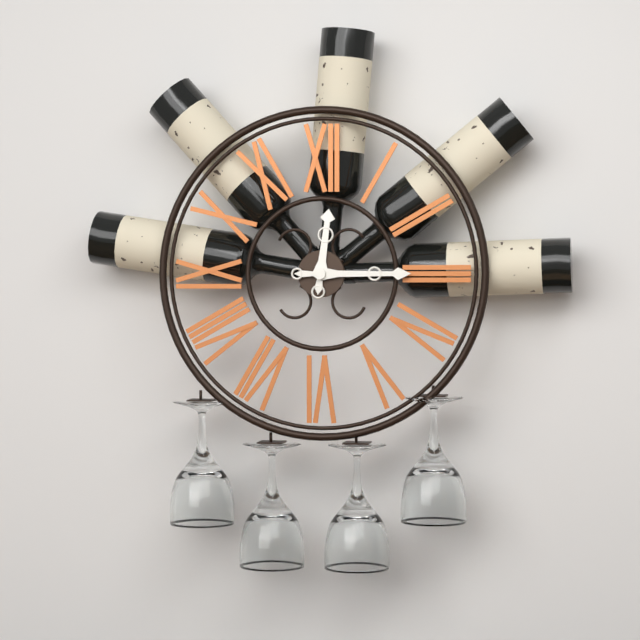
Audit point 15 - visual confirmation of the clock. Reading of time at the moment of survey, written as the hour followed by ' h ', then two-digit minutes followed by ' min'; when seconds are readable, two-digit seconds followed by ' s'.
12 h 15 min
